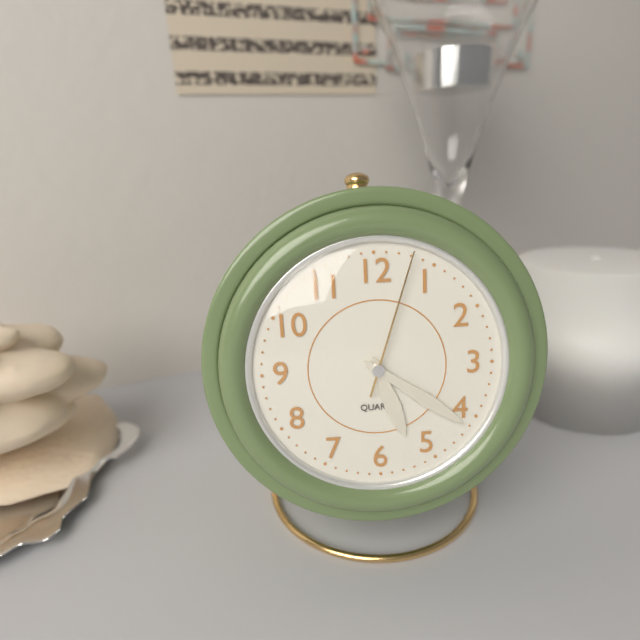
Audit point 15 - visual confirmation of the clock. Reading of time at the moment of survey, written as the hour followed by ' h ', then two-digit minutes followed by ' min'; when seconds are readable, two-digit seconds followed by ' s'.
5 h 21 min 03 s
